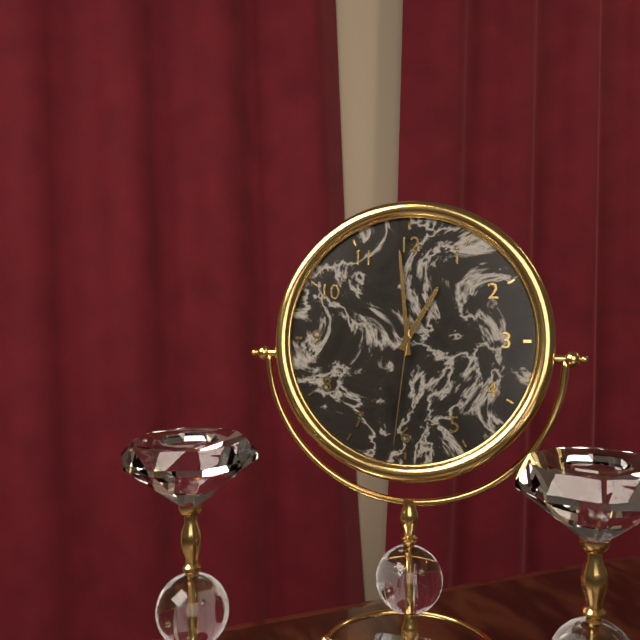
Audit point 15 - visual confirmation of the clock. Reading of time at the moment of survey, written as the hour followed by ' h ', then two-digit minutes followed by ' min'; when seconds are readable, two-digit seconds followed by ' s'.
12 h 59 min 31 s
